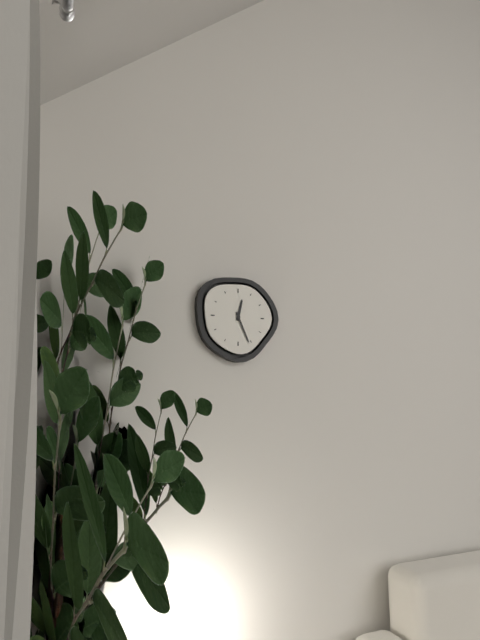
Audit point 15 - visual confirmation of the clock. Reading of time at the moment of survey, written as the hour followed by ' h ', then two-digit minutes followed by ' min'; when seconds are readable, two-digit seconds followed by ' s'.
12 h 26 min
